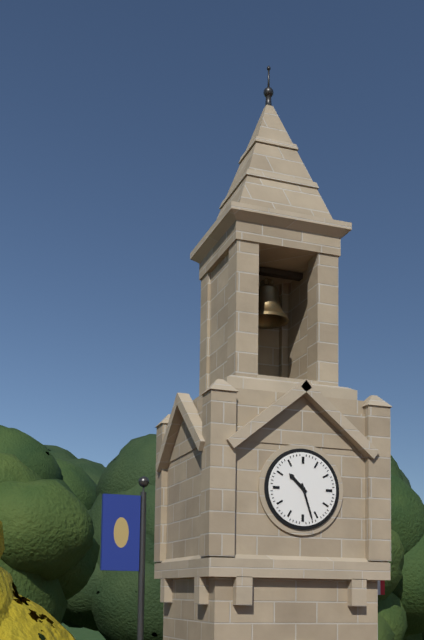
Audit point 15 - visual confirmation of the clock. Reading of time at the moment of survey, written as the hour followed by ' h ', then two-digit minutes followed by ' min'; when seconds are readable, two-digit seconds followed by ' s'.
10 h 27 min
